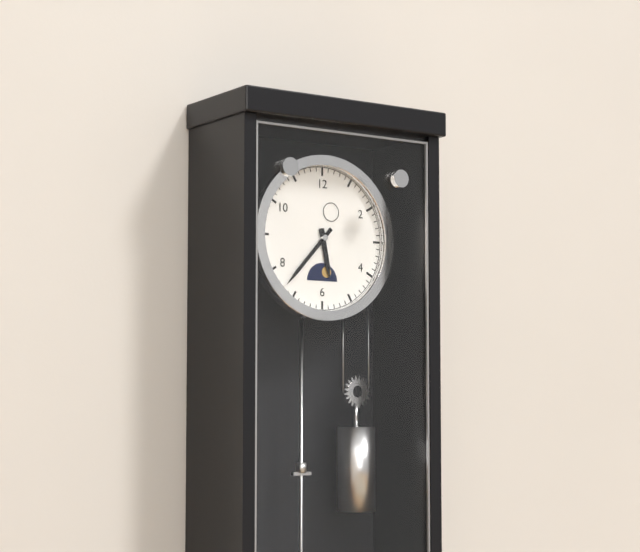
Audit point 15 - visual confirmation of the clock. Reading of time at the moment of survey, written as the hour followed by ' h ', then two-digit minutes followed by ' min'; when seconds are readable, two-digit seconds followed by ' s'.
5 h 37 min
